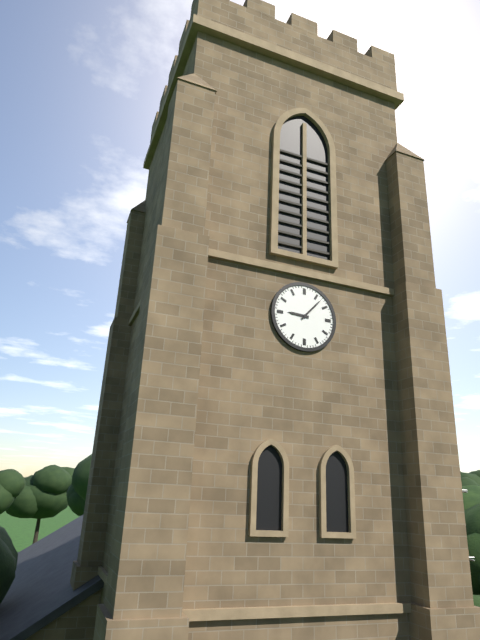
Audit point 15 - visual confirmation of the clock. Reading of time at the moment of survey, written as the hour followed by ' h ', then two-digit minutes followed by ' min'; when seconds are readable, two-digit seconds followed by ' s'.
9 h 07 min
